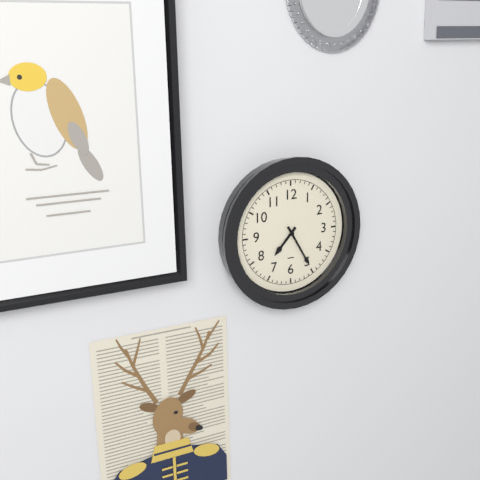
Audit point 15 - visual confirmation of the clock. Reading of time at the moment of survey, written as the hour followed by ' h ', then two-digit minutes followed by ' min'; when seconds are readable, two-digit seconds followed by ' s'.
7 h 25 min
